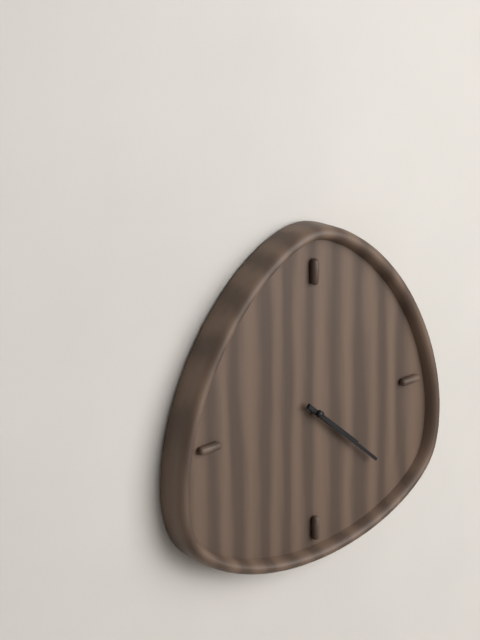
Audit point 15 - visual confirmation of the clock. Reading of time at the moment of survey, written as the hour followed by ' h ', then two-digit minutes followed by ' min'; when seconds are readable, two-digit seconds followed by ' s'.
4 h 22 min
